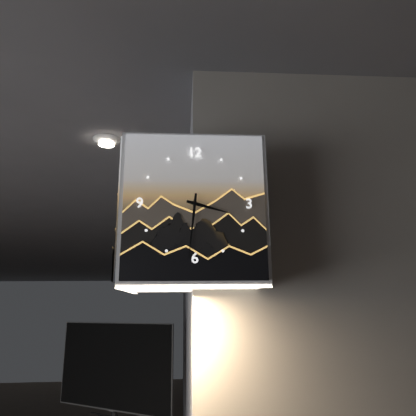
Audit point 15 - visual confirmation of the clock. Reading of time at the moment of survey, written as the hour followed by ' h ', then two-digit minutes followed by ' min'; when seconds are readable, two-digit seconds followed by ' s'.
3 h 31 min
